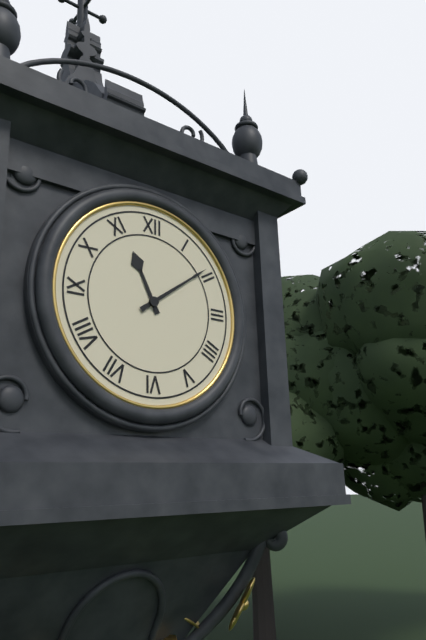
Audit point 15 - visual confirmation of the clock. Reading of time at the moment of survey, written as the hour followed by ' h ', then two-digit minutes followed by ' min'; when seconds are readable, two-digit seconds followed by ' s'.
11 h 09 min
